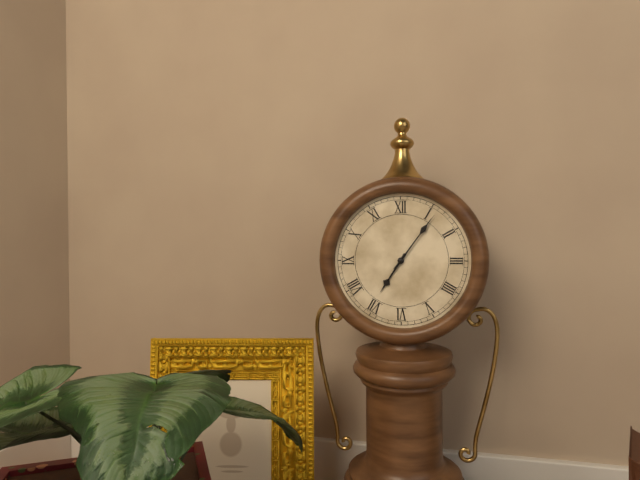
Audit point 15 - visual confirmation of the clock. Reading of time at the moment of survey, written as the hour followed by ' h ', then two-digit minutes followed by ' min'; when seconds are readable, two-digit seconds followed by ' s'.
7 h 06 min
